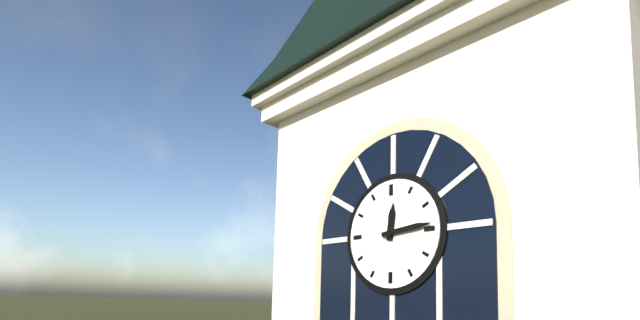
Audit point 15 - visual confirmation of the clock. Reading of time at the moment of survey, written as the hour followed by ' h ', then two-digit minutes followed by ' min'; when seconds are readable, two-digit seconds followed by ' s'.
12 h 14 min
